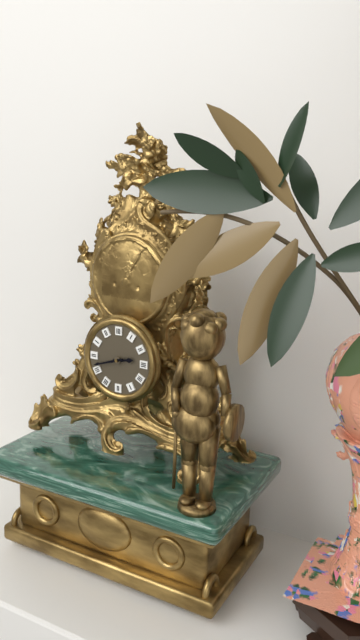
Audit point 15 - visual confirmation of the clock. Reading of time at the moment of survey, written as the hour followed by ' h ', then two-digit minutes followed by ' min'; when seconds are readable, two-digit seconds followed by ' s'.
2 h 42 min
